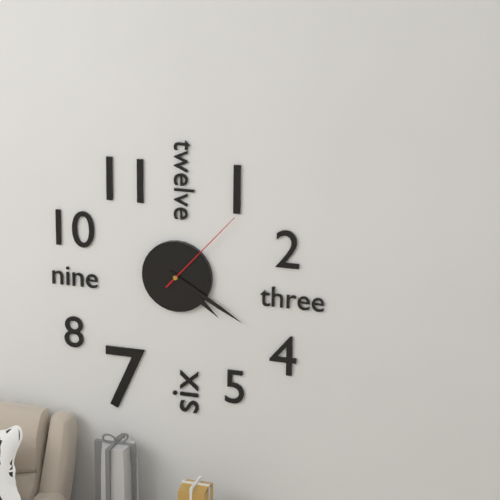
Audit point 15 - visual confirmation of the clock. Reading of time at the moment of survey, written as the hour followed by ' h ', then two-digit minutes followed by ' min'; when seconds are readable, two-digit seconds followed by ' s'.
4 h 20 min 07 s
